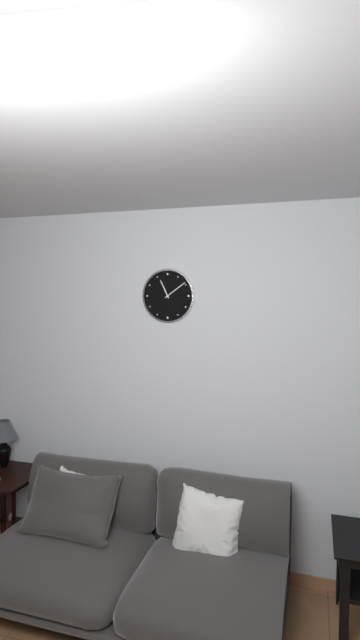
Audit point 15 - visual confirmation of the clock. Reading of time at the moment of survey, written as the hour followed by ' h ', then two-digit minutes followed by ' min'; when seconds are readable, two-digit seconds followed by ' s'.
11 h 09 min
